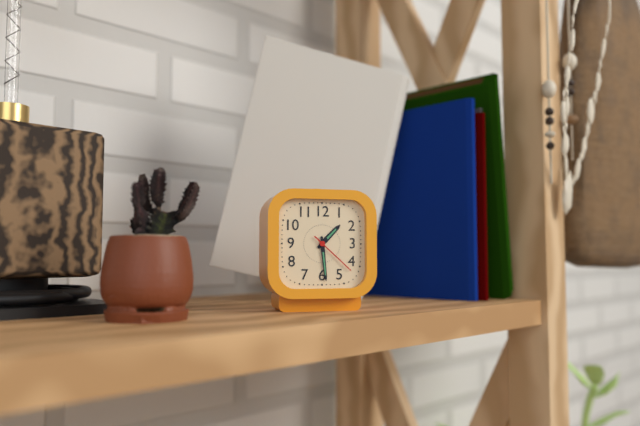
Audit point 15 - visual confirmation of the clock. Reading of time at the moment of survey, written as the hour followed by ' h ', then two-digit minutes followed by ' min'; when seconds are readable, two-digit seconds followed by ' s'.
1 h 29 min 22 s
